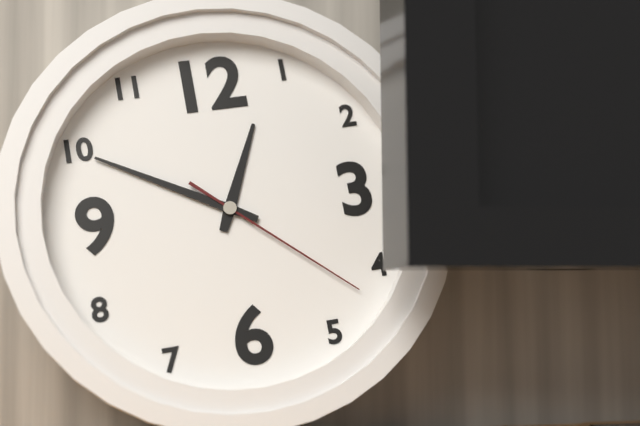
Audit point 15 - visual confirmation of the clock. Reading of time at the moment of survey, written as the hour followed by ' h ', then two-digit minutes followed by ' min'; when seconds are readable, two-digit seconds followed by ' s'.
12 h 50 min 22 s
